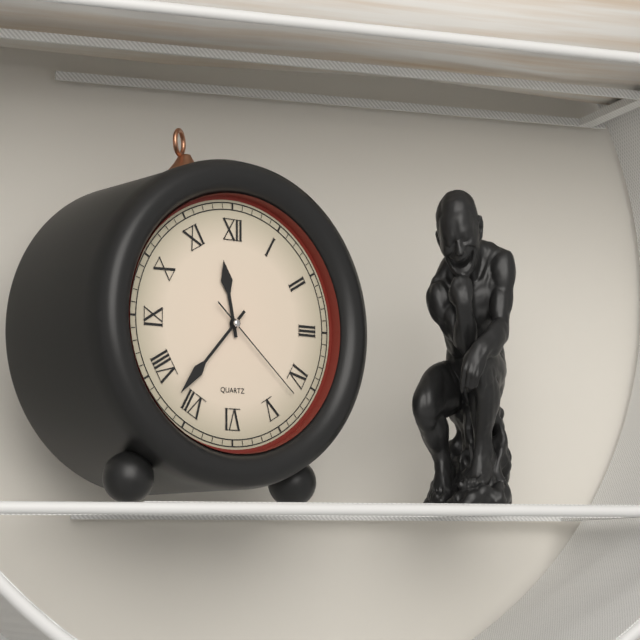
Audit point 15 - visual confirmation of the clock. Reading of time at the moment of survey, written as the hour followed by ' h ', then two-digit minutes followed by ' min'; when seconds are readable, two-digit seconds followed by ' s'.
11 h 37 min 22 s
